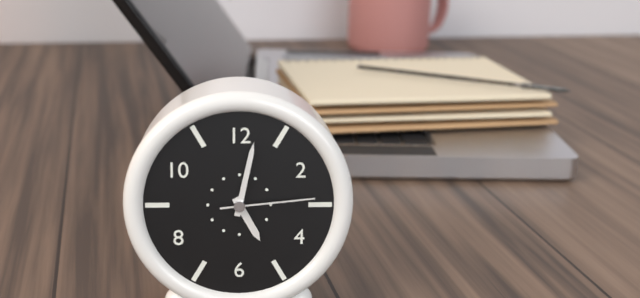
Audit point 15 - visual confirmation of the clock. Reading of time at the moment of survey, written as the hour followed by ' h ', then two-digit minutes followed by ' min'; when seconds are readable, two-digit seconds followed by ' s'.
5 h 02 min 14 s
